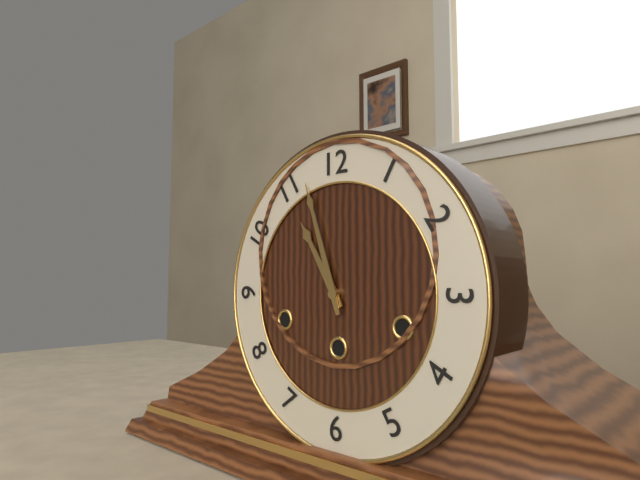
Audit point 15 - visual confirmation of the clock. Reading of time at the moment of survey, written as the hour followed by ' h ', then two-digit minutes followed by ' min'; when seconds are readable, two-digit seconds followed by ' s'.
10 h 57 min
